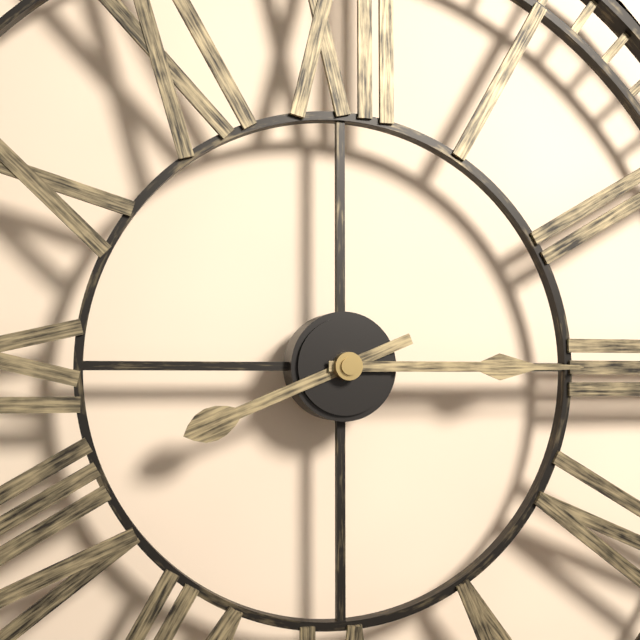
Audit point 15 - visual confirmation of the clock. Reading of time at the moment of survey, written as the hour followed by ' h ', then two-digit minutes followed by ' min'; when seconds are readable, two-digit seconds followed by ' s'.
8 h 15 min
